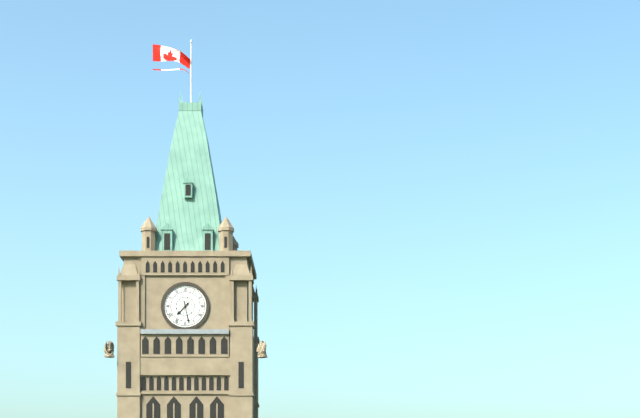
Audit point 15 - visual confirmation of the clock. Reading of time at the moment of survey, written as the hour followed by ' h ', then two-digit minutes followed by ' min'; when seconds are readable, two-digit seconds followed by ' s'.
7 h 28 min
